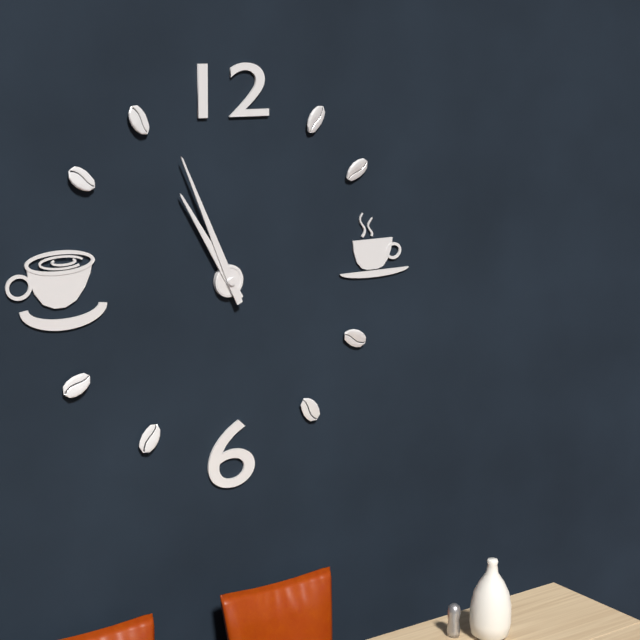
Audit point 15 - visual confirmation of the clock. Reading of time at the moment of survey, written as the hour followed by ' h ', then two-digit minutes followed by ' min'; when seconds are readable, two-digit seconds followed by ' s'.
10 h 56 min
